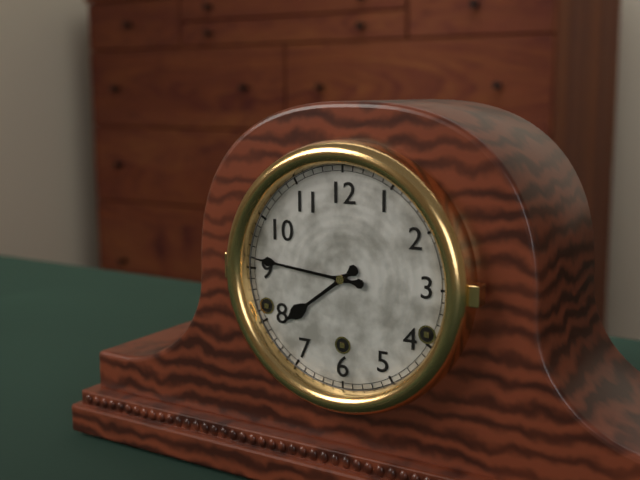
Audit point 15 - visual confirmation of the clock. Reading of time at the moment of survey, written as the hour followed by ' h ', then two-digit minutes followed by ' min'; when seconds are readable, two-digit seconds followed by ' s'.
7 h 46 min
